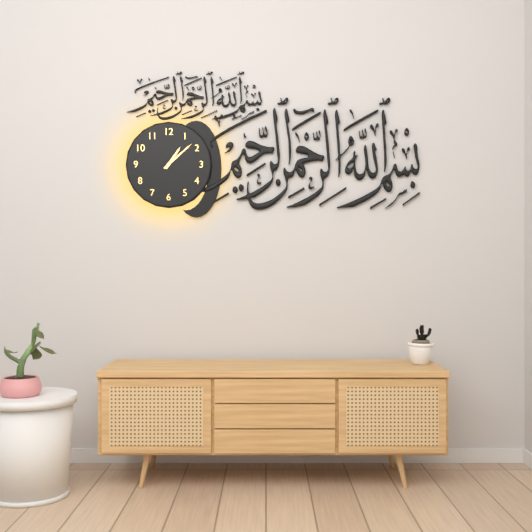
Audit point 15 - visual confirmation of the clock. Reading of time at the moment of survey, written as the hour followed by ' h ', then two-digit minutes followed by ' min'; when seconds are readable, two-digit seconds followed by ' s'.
1 h 08 min
